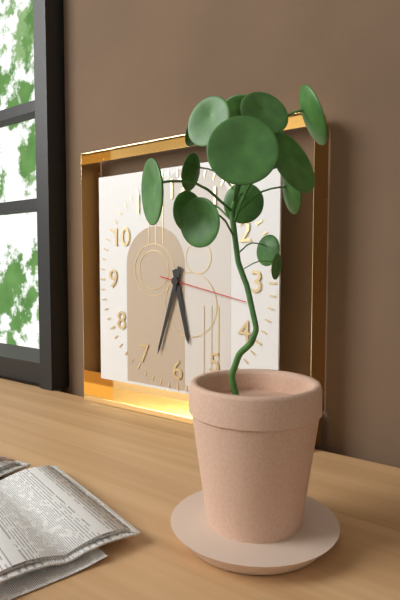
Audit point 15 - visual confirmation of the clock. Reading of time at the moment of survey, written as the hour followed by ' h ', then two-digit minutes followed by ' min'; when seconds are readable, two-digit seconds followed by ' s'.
5 h 33 min 17 s
